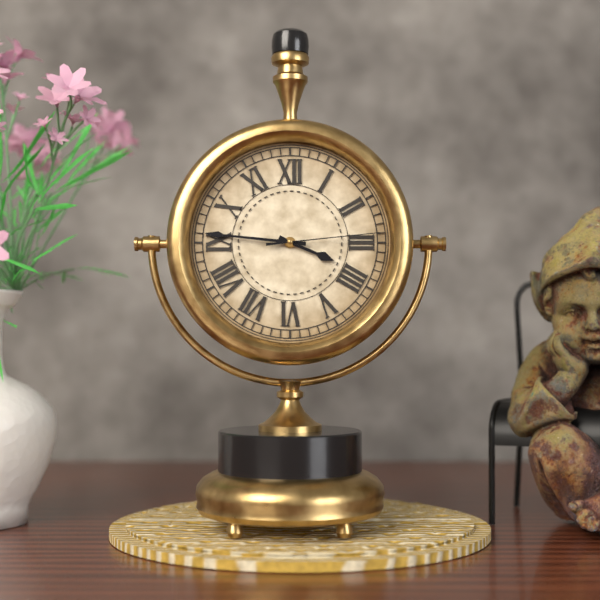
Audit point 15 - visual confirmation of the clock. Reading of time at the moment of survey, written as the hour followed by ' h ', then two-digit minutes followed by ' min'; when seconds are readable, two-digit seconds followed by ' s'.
3 h 46 min 14 s
